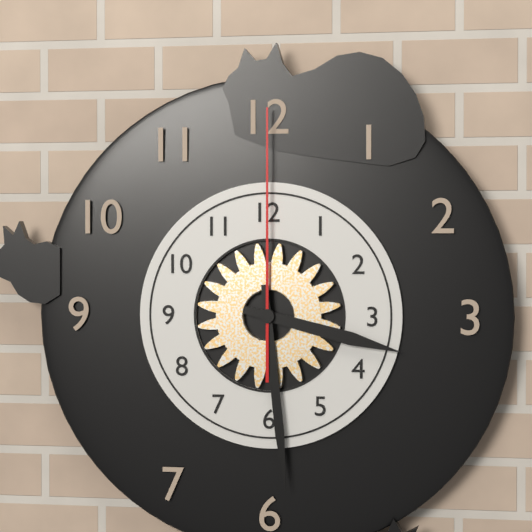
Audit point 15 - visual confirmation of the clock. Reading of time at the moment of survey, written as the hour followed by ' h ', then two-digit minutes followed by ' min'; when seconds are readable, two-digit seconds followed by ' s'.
3 h 29 min 00 s
